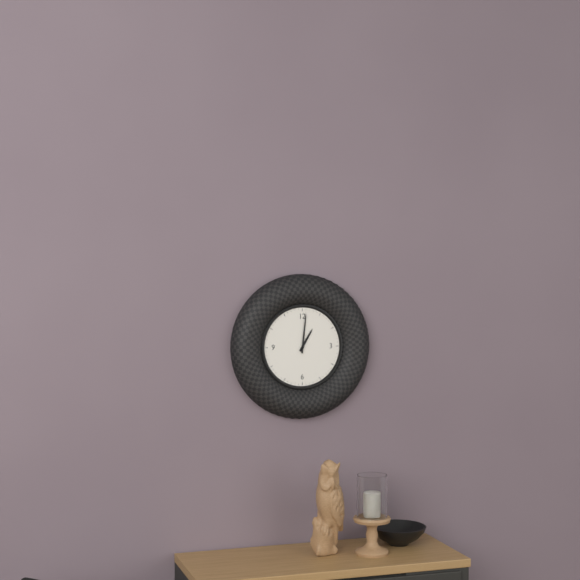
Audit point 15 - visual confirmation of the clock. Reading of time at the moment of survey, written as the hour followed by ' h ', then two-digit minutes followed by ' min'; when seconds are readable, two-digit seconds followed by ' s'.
1 h 01 min
